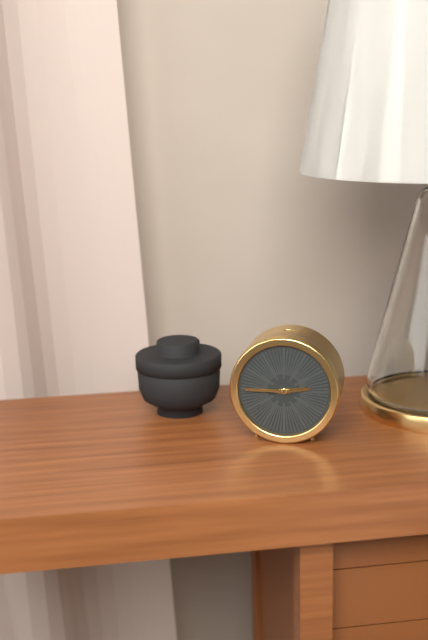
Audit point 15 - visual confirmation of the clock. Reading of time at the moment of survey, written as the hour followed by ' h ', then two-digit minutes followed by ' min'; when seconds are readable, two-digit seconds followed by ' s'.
2 h 45 min
